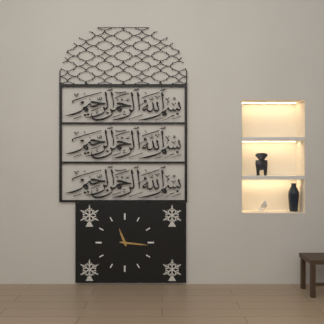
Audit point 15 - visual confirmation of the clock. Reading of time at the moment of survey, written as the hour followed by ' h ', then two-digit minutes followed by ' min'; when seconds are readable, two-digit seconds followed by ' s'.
11 h 16 min
